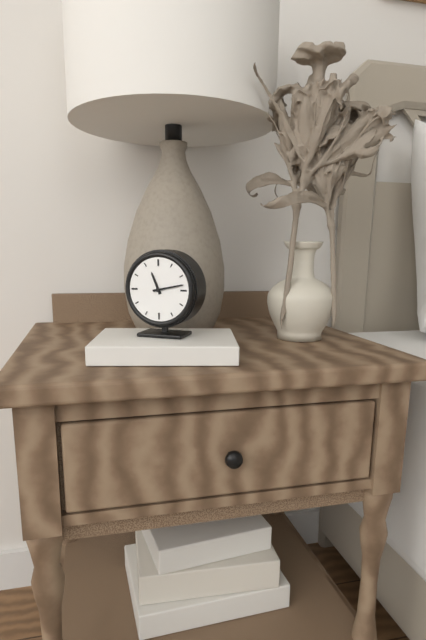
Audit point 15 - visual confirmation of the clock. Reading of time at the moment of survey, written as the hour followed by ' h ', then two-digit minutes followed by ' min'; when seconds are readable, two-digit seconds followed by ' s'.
11 h 13 min
